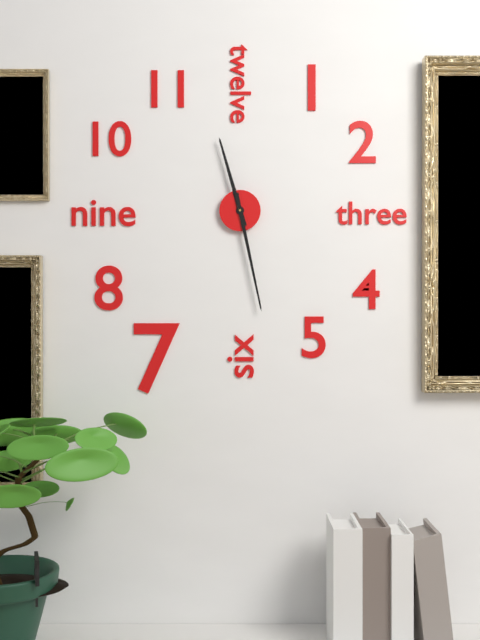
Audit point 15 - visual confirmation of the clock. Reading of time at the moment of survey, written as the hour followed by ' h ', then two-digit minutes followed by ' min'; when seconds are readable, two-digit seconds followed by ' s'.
11 h 28 min
